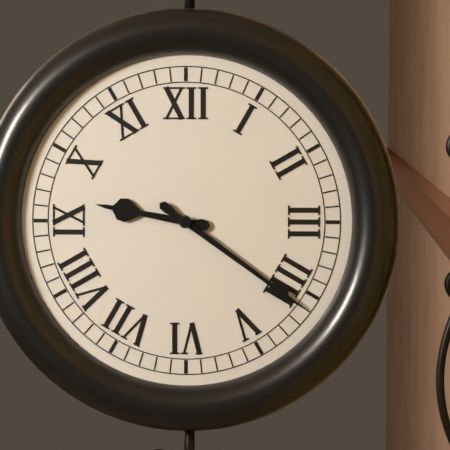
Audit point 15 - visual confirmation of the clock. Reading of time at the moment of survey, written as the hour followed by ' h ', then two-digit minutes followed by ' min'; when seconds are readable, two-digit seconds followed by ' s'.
9 h 21 min
